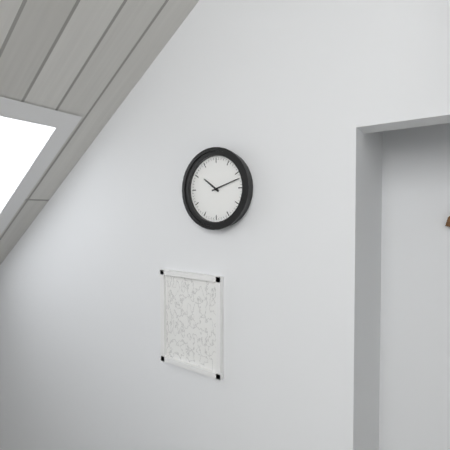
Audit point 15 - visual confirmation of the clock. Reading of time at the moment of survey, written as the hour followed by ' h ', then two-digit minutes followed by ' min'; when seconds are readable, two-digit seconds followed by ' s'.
10 h 12 min
